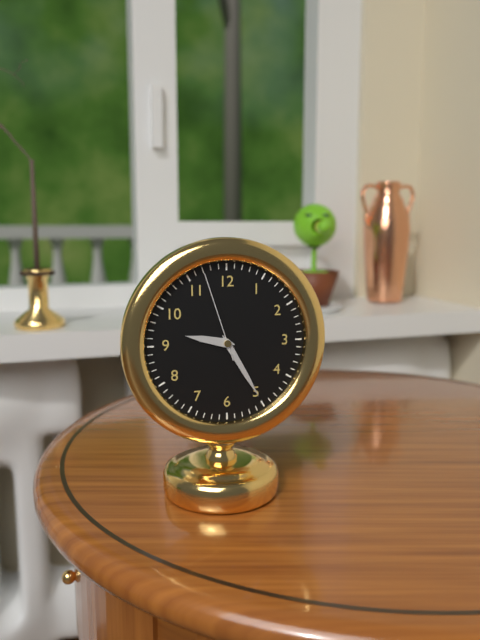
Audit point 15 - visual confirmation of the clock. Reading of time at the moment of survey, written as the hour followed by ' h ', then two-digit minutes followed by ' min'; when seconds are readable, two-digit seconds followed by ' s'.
9 h 25 min 57 s
